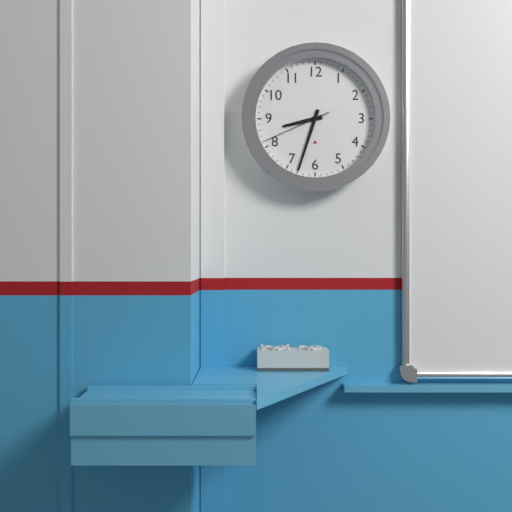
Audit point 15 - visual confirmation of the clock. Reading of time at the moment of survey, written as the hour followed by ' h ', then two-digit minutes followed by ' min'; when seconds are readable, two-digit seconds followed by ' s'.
8 h 33 min 41 s
